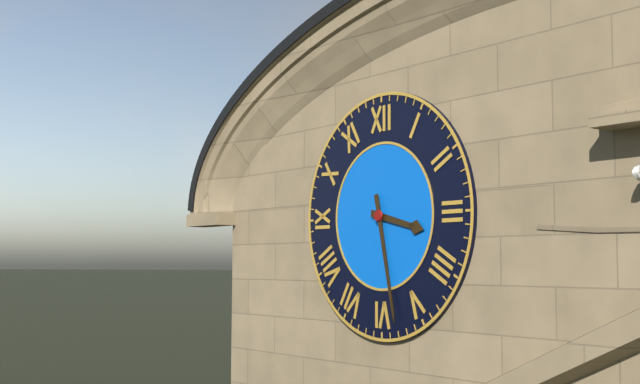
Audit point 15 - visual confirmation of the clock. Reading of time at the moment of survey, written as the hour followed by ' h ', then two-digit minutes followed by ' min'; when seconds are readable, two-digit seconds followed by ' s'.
3 h 28 min
